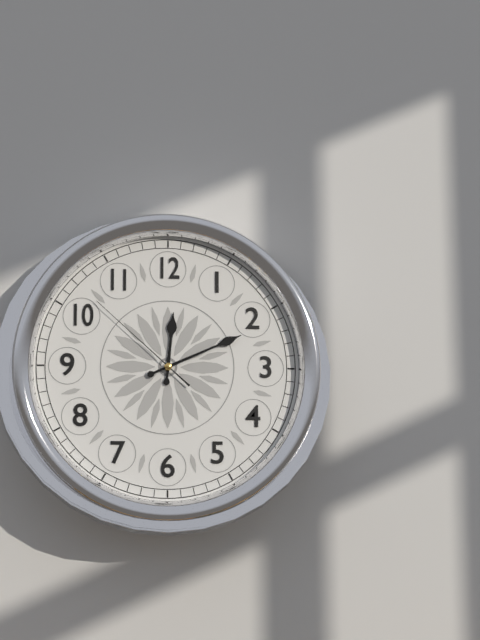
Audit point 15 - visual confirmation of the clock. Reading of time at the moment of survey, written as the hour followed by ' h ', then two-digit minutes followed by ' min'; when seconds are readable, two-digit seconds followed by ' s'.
12 h 11 min 52 s
